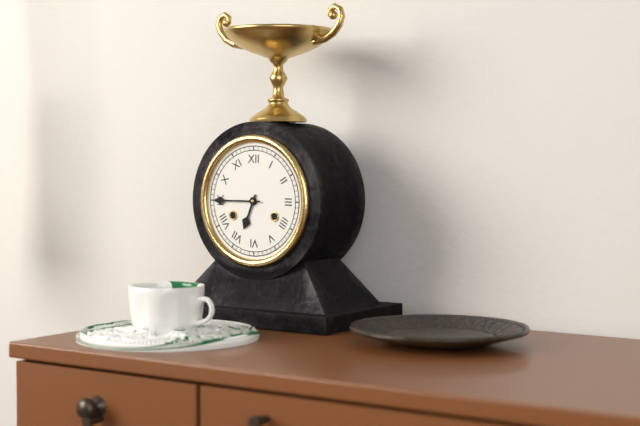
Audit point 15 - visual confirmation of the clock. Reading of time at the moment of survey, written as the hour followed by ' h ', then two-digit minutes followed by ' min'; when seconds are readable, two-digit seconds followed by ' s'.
6 h 45 min
